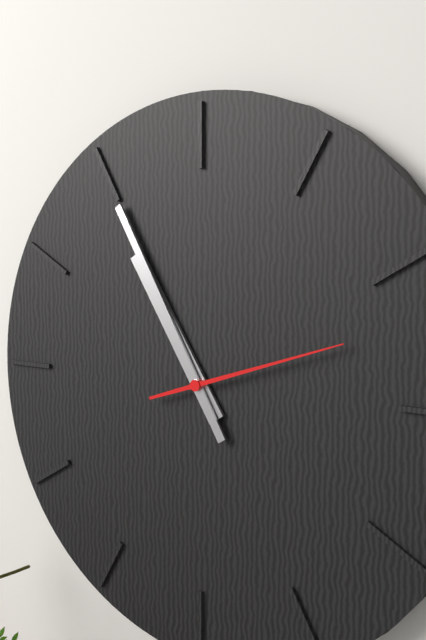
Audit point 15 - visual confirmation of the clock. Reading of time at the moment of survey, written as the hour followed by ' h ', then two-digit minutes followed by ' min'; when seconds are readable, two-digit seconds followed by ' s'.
10 h 55 min 12 s
